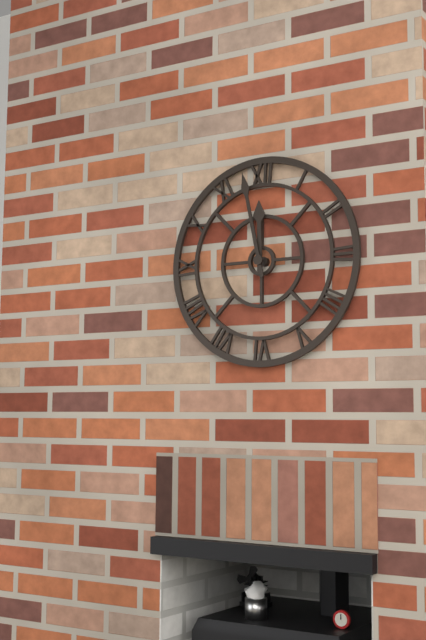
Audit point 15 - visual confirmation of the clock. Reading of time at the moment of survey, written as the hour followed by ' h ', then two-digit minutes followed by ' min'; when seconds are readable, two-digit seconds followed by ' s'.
11 h 58 min
